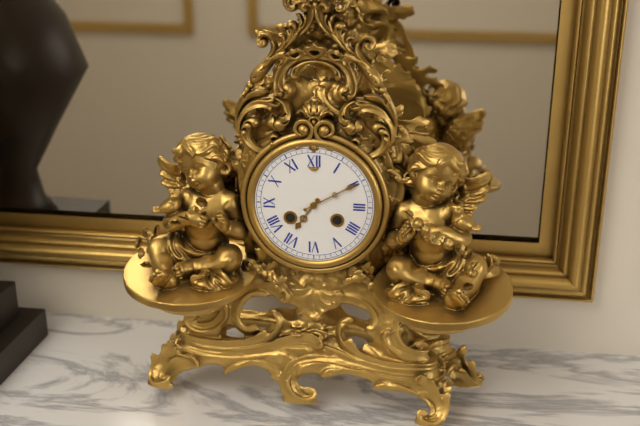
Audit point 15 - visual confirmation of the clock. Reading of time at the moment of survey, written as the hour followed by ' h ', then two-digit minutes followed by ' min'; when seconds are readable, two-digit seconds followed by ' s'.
7 h 10 min
